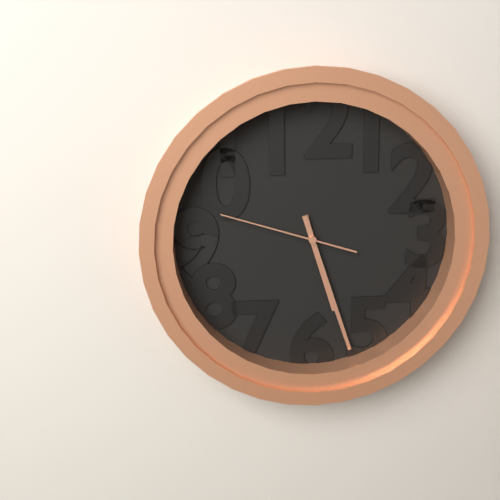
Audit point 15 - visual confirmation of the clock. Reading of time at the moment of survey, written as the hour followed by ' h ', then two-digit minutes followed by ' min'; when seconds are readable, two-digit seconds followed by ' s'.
5 h 27 min 48 s
